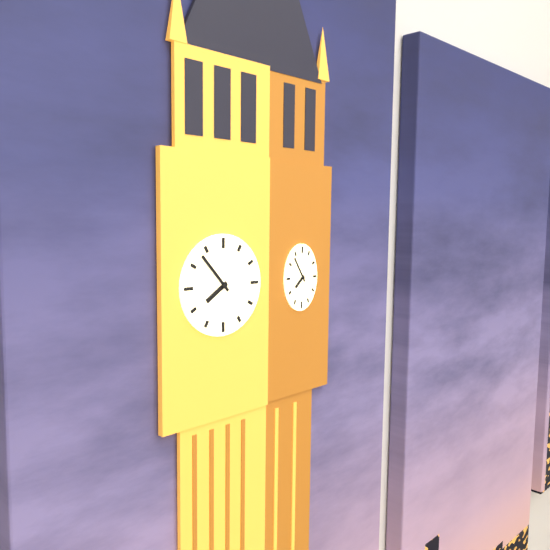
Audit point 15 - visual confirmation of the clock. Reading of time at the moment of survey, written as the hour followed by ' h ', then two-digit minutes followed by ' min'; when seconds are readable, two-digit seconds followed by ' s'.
7 h 53 min
